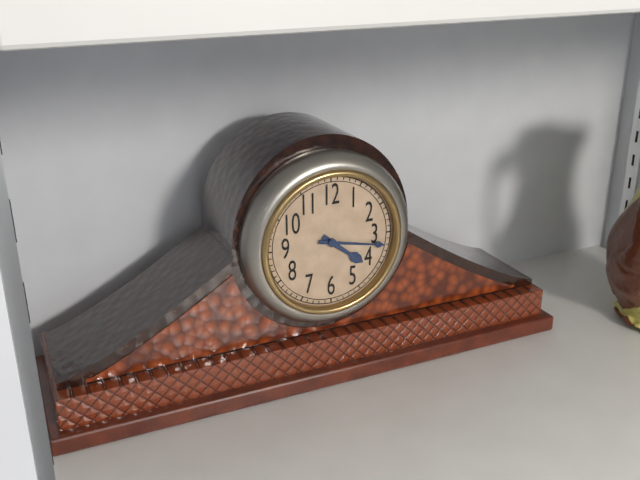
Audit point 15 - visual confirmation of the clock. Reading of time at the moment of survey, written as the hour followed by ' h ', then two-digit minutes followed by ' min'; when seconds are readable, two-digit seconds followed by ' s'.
4 h 17 min
